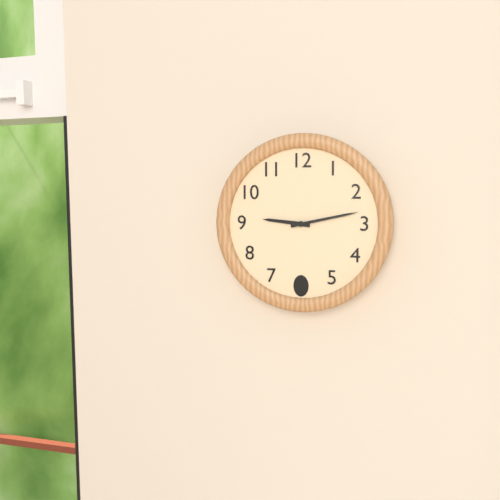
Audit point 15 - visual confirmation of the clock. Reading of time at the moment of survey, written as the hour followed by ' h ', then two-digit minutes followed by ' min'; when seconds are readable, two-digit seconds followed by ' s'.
9 h 13 min
